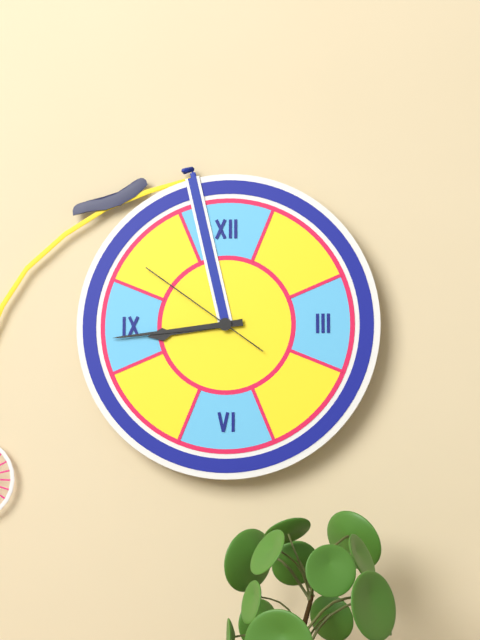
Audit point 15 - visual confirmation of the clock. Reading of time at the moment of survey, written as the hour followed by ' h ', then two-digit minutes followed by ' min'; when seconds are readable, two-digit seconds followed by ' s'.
8 h 44 min 51 s
